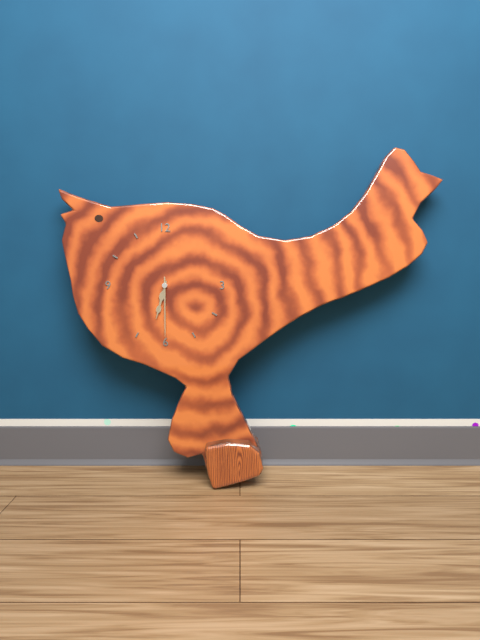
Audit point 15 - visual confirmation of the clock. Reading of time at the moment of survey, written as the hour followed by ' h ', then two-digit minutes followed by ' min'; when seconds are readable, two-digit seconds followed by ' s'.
6 h 30 min
